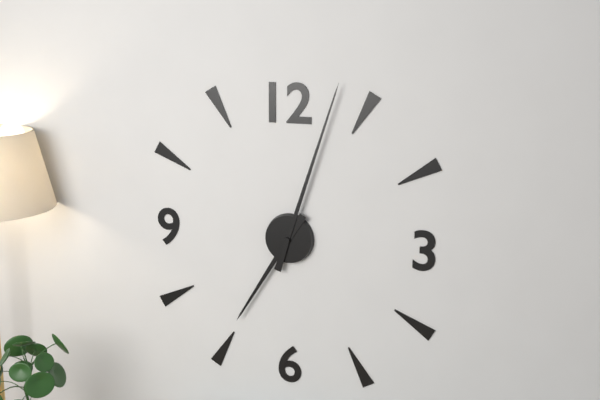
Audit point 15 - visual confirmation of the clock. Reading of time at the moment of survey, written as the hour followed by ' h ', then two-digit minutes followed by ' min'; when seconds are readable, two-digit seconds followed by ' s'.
7 h 03 min
